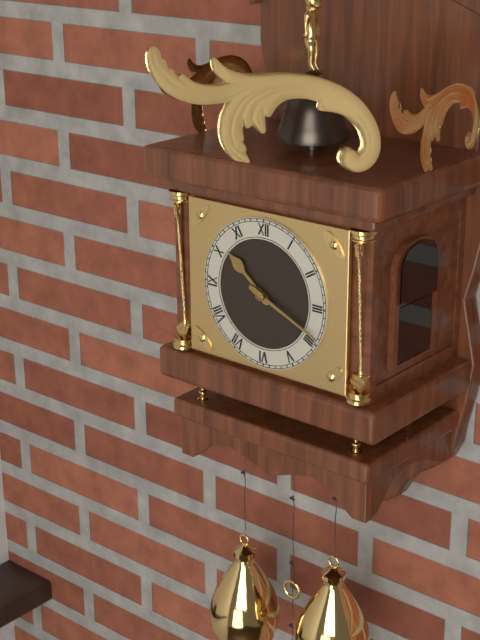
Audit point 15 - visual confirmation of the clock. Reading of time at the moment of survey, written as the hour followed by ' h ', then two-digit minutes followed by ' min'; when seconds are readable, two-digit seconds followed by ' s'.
10 h 19 min
